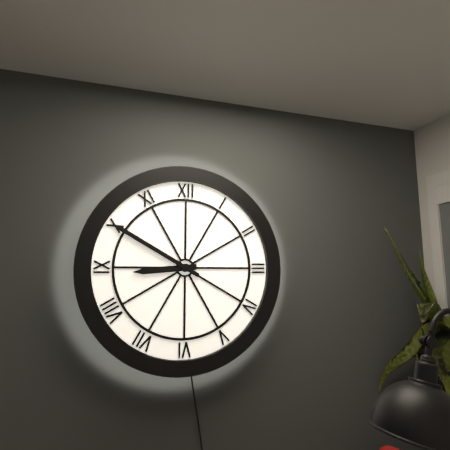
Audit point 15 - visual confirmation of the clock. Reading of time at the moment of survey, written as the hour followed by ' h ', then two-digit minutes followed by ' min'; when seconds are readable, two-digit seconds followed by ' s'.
8 h 50 min
